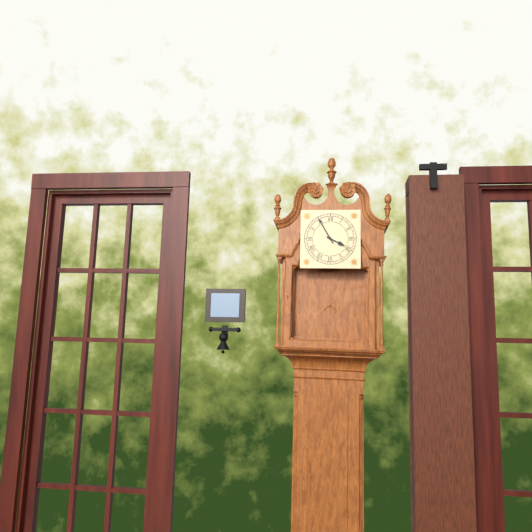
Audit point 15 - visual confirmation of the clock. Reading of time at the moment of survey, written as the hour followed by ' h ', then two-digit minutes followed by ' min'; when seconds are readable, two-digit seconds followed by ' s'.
3 h 55 min
